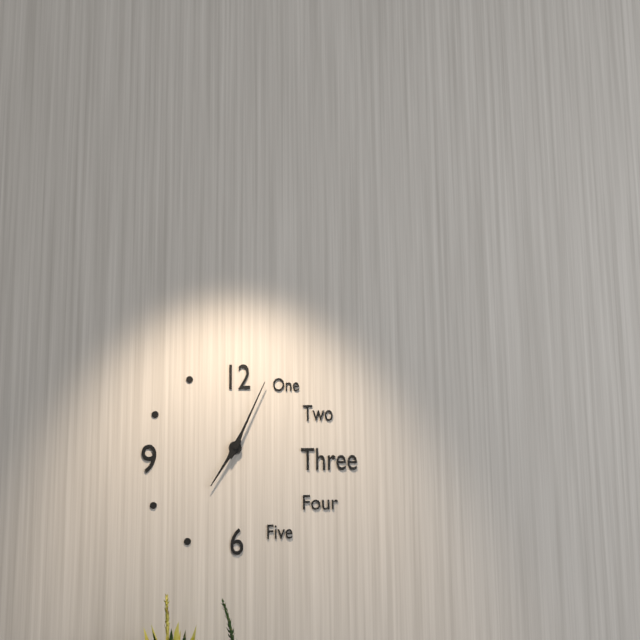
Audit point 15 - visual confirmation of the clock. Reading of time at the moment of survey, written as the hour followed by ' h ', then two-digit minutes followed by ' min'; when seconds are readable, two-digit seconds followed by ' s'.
7 h 04 min
